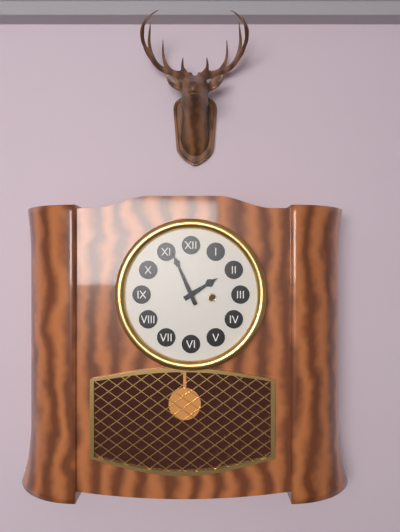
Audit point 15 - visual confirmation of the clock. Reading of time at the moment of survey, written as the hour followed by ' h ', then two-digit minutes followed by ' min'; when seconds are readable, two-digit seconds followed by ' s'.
1 h 56 min
